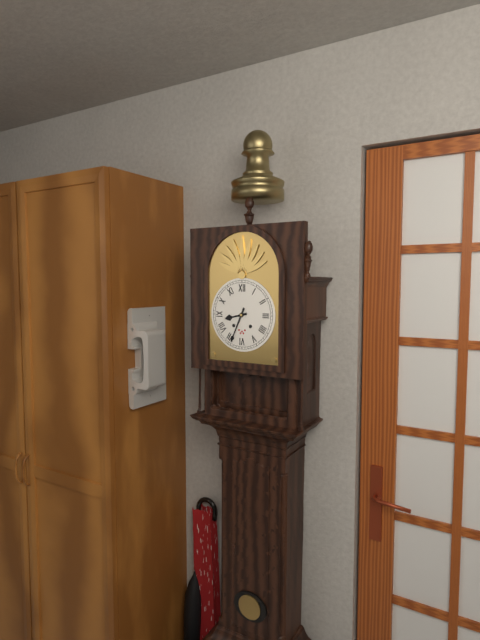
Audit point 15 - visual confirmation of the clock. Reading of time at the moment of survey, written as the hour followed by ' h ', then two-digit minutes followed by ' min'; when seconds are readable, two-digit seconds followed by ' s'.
8 h 34 min
